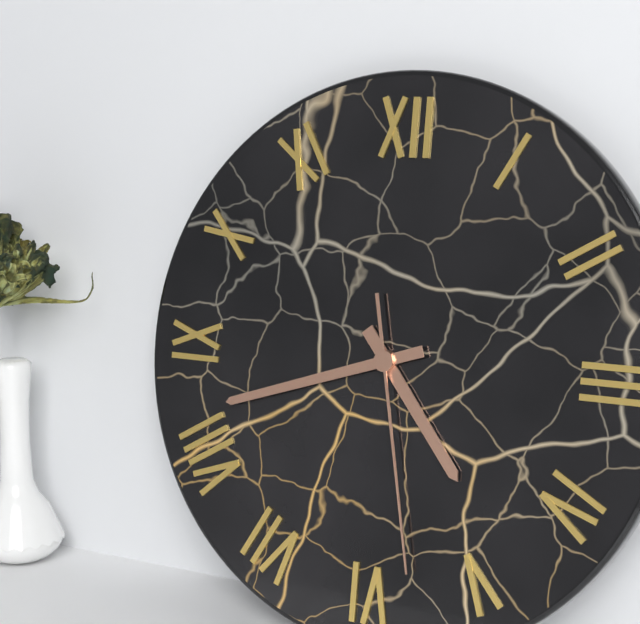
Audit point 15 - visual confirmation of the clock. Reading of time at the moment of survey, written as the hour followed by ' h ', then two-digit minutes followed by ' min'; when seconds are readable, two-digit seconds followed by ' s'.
4 h 42 min 28 s
